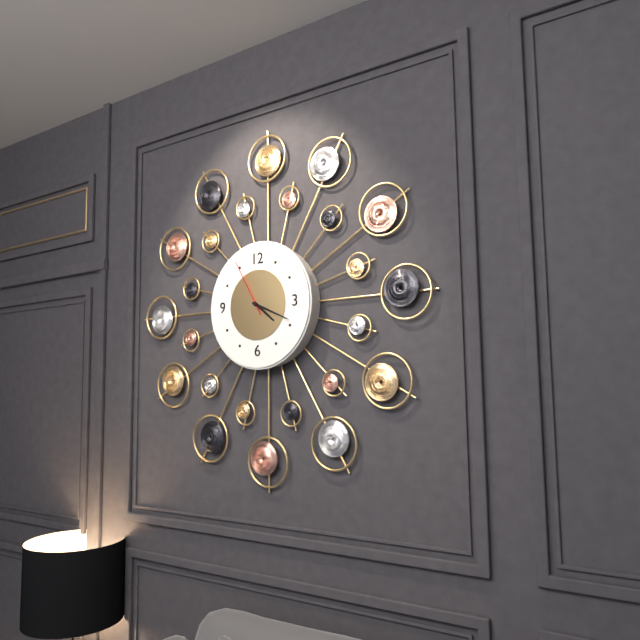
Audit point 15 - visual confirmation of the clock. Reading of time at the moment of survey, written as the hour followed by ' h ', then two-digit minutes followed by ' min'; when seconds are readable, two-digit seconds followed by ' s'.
4 h 19 min 55 s
